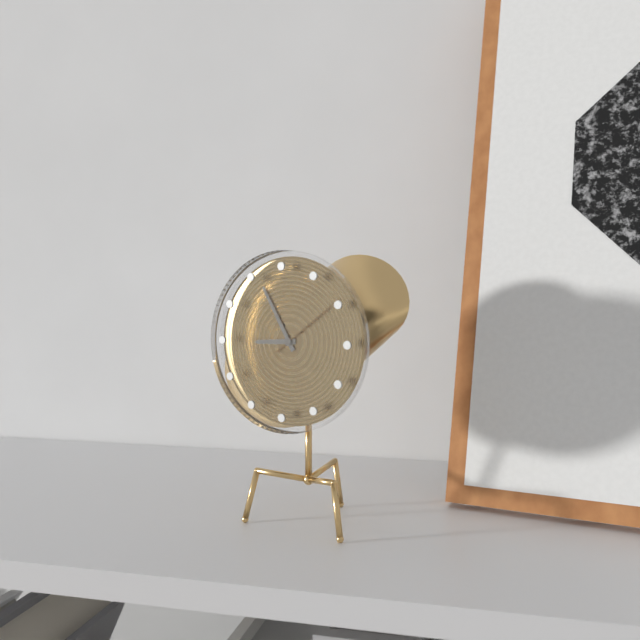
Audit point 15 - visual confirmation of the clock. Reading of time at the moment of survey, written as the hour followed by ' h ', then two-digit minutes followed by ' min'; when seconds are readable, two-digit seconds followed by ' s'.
8 h 55 min 09 s
